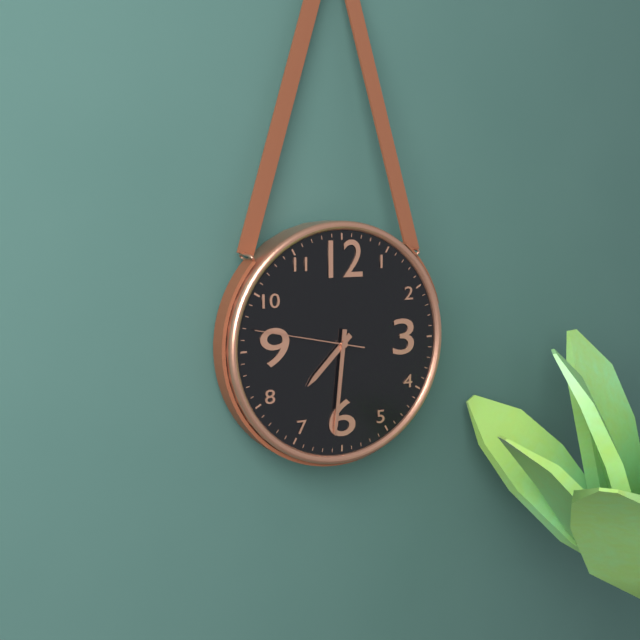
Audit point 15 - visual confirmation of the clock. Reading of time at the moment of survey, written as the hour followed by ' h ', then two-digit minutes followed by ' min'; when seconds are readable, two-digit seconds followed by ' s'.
7 h 31 min 47 s
